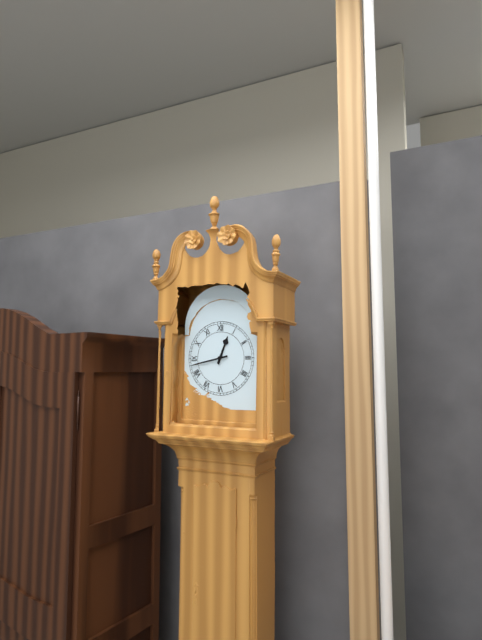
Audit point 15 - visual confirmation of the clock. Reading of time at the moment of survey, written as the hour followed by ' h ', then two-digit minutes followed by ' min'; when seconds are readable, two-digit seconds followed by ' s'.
12 h 43 min
